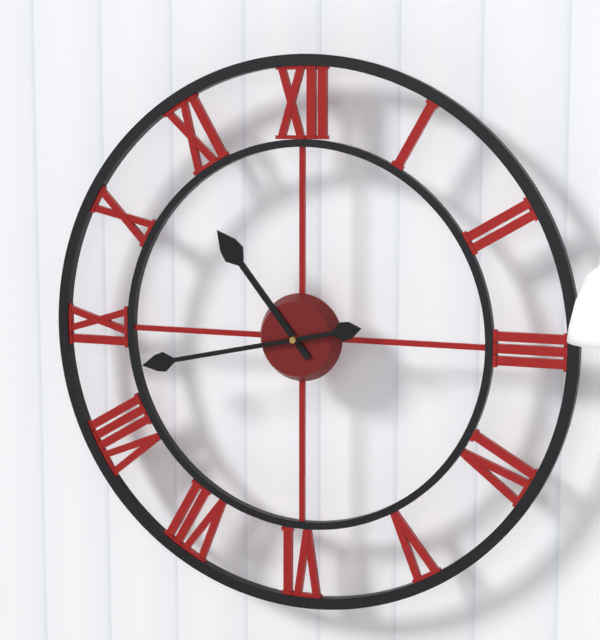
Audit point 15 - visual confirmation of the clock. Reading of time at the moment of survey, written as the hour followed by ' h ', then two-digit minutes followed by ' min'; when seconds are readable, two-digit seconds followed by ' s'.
10 h 43 min
